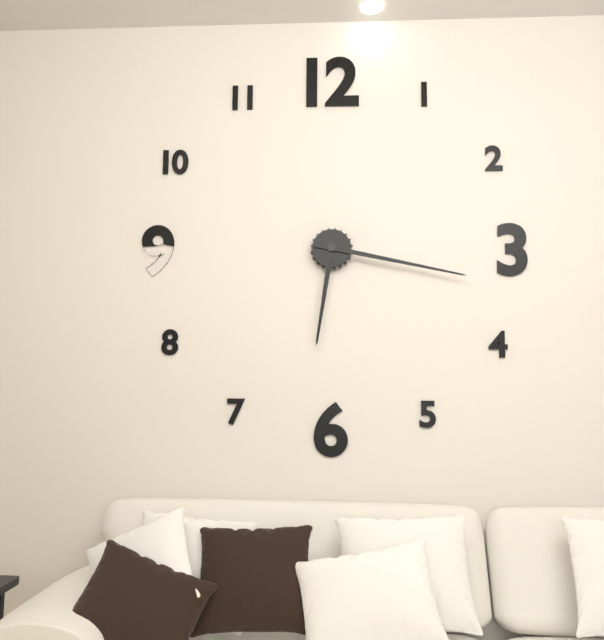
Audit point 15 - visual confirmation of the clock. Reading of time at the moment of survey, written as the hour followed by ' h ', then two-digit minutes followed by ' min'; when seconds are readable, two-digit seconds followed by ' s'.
6 h 17 min
